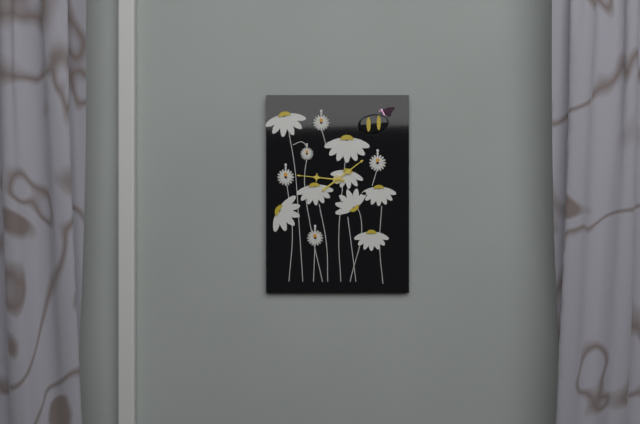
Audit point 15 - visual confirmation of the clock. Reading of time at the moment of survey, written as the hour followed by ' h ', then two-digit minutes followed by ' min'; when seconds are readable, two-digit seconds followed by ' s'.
1 h 46 min
